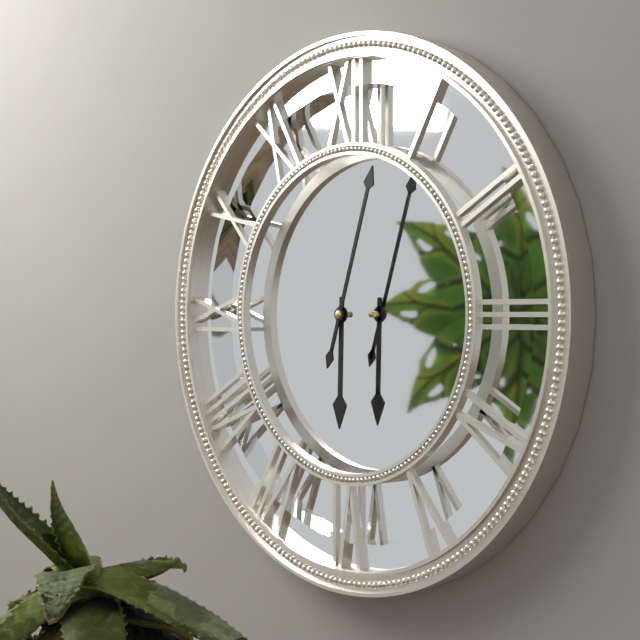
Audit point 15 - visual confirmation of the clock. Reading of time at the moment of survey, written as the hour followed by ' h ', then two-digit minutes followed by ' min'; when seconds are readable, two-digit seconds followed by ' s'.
6 h 03 min
